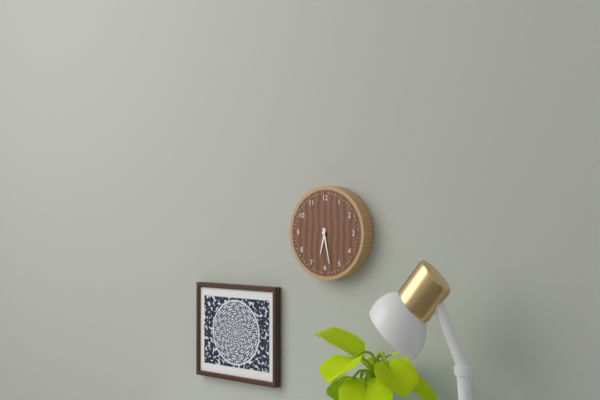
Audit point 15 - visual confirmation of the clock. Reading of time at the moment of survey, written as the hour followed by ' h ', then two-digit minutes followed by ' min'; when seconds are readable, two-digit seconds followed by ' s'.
6 h 28 min
